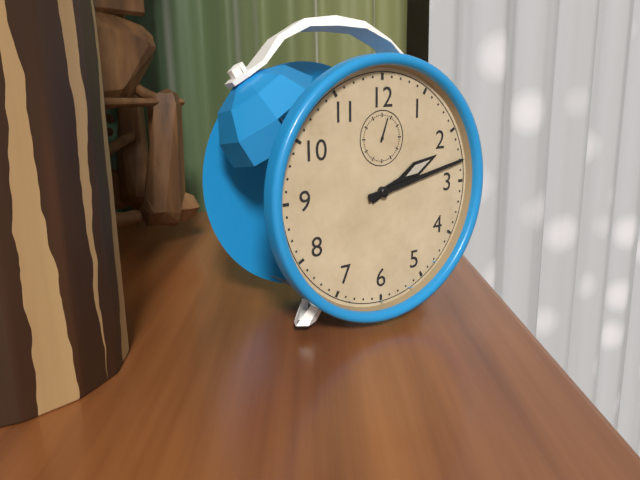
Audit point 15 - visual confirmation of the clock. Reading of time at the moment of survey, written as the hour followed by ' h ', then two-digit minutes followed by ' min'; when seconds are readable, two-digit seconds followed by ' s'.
2 h 13 min
